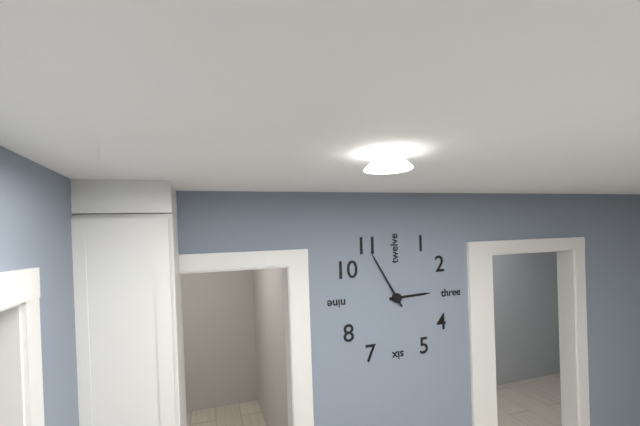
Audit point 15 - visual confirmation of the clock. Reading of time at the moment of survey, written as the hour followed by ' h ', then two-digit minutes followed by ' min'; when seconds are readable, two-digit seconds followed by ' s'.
2 h 55 min
